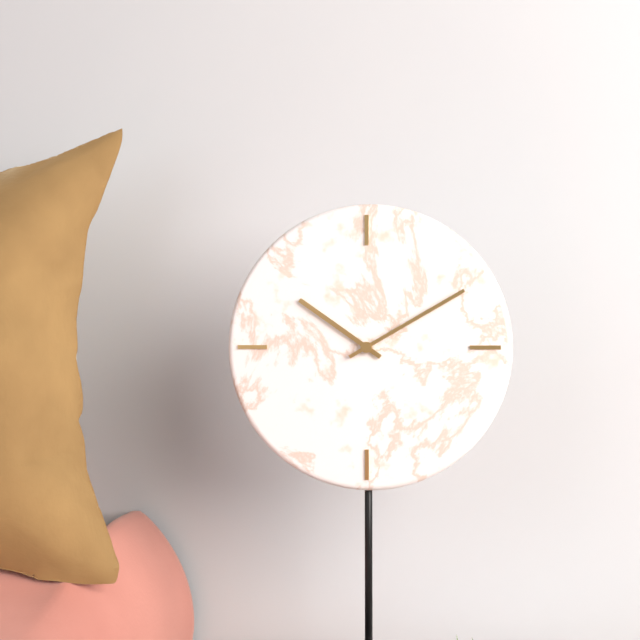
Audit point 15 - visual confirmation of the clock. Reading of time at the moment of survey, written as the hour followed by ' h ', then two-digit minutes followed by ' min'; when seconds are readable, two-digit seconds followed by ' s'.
10 h 10 min
